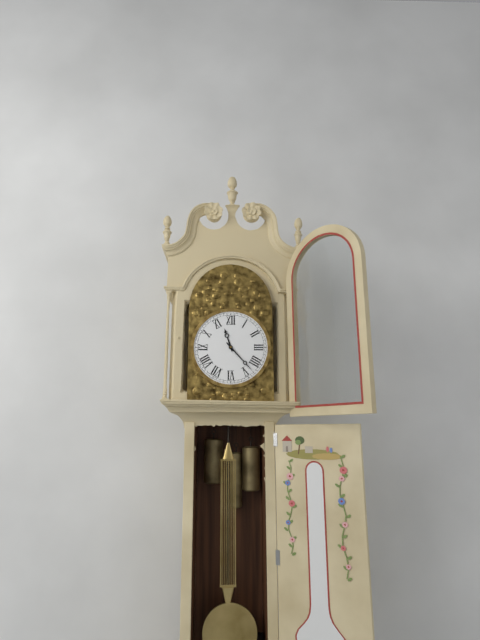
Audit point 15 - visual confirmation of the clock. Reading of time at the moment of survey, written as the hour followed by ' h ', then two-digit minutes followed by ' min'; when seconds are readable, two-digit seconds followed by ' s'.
11 h 23 min
